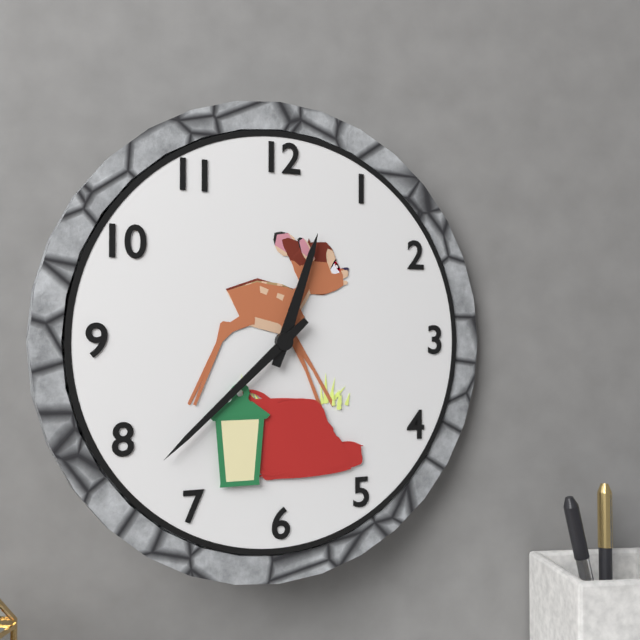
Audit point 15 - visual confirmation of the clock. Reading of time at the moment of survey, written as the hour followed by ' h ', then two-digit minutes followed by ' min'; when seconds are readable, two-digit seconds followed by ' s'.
12 h 38 min
